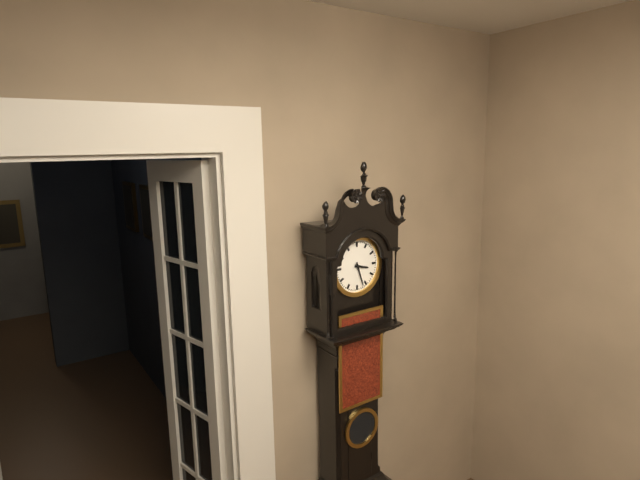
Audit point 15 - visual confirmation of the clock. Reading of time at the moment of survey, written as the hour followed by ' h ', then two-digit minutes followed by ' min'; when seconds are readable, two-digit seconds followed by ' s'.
3 h 27 min
